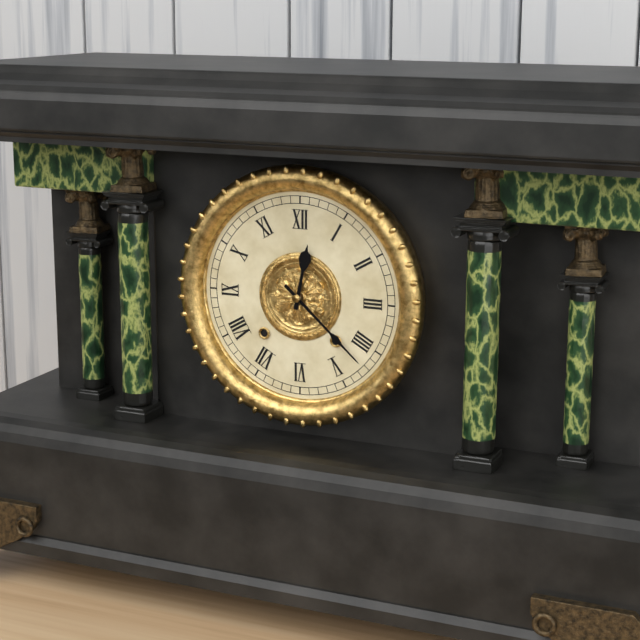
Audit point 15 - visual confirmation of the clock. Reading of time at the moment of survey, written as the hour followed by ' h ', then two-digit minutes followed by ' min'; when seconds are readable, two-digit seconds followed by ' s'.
12 h 22 min
